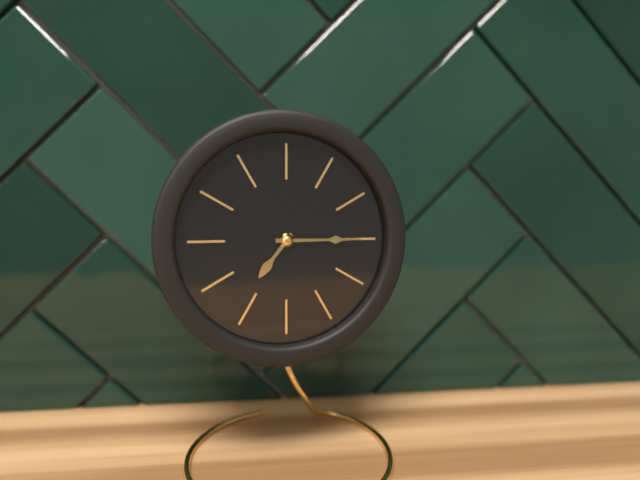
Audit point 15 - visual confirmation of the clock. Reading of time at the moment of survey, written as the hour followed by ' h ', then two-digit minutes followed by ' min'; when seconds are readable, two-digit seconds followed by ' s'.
7 h 15 min
